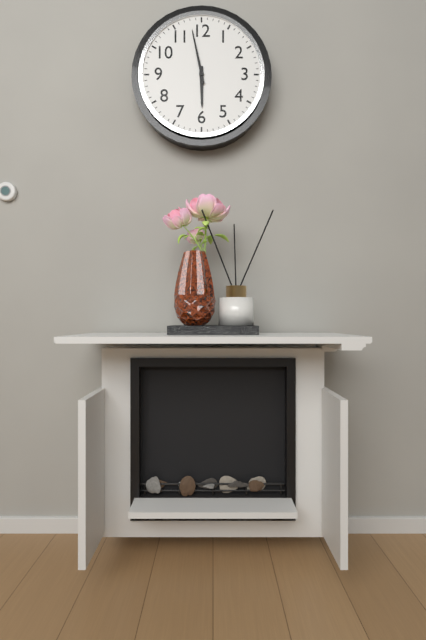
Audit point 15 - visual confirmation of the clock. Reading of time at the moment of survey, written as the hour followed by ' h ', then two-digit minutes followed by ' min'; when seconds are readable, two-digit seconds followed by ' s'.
5 h 58 min
